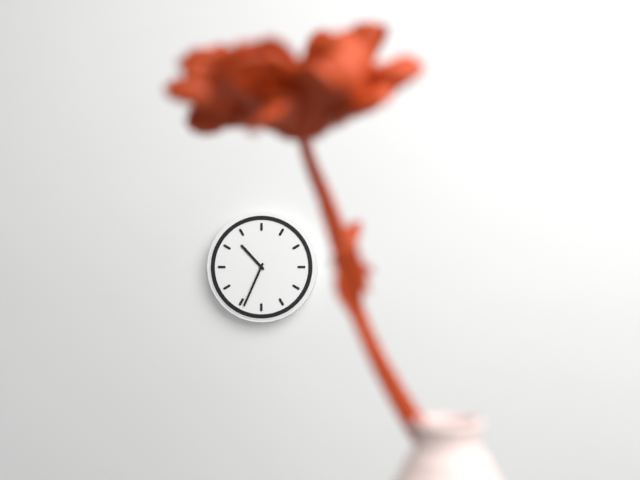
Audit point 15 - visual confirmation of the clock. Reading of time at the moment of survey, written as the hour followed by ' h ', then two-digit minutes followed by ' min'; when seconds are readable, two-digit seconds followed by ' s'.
10 h 34 min
